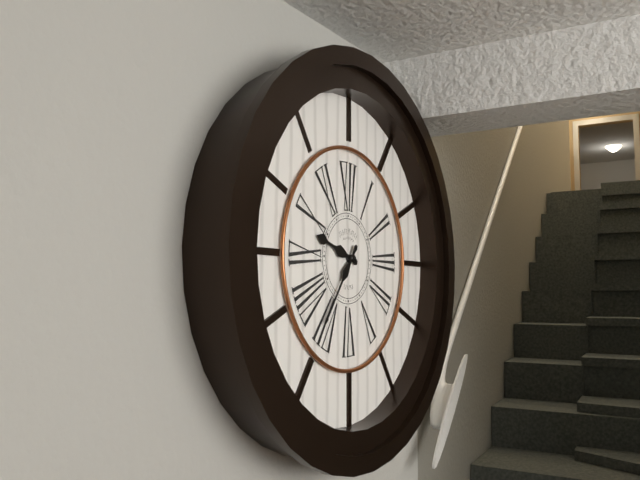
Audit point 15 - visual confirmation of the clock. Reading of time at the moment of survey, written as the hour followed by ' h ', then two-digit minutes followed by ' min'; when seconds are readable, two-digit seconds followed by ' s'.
9 h 36 min
